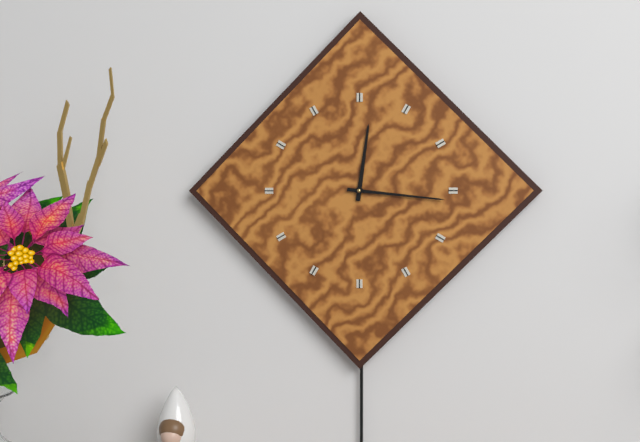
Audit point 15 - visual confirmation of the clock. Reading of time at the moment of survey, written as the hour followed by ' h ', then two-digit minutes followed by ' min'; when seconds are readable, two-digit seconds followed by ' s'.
12 h 16 min
